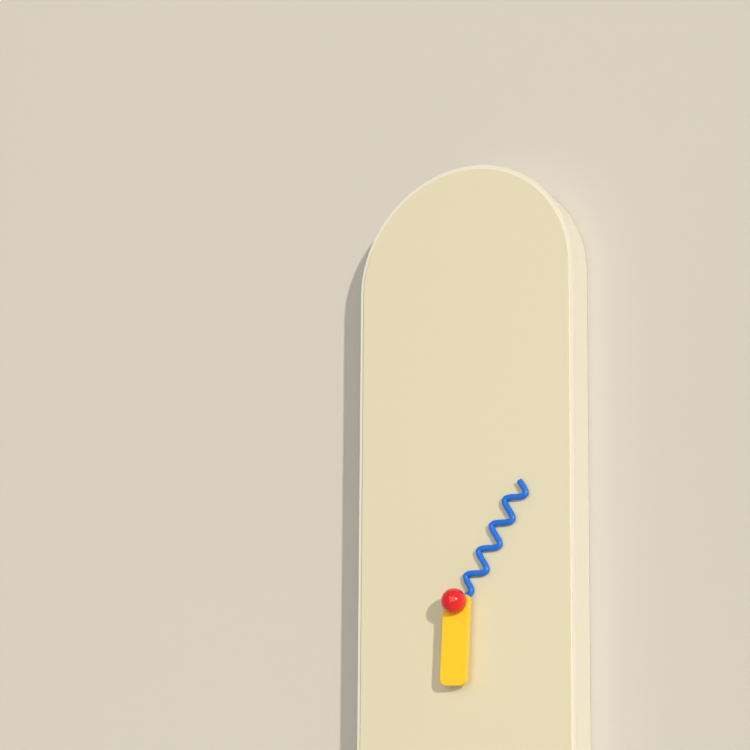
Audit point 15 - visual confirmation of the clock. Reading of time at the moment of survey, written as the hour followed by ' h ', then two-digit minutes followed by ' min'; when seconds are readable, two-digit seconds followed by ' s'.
6 h 05 min
